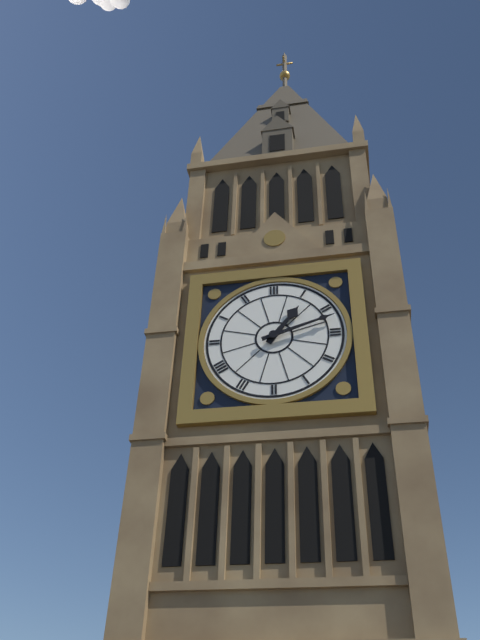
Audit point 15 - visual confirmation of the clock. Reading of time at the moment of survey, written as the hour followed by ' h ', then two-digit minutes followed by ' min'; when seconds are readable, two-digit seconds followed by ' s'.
1 h 12 min
